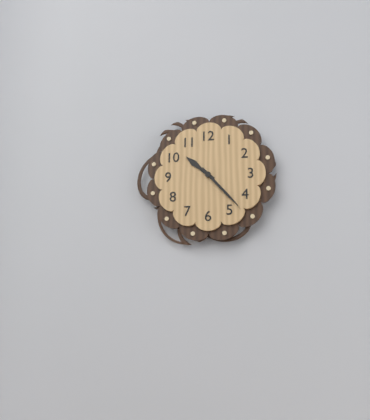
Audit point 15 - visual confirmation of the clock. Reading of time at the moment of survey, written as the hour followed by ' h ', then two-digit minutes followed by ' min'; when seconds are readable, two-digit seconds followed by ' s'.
10 h 23 min
